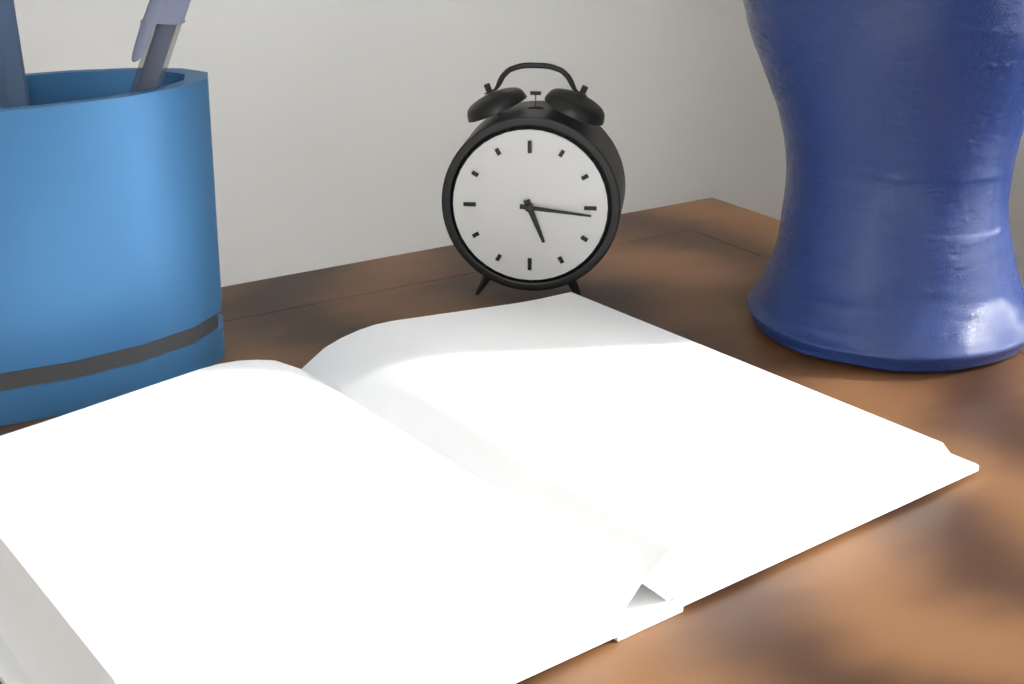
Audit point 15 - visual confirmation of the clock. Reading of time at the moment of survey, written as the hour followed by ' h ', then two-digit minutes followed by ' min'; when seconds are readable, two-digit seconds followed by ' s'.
5 h 16 min
